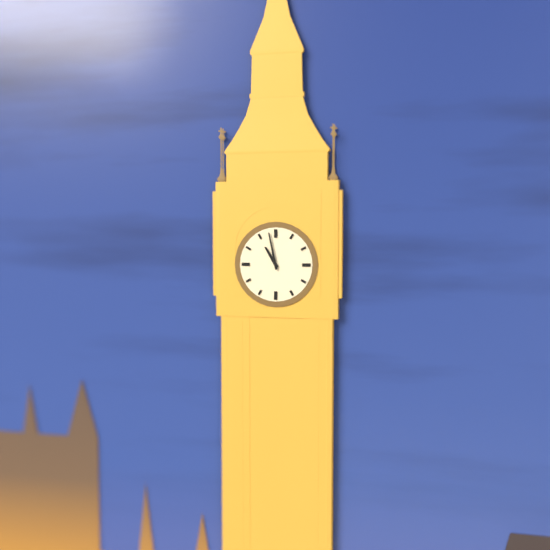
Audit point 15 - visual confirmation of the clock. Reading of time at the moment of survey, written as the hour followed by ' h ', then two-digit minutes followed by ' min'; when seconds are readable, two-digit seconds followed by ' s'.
10 h 58 min
